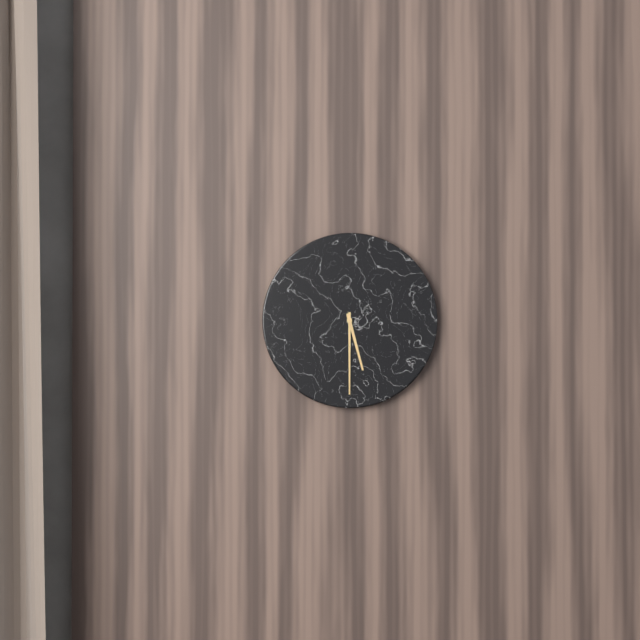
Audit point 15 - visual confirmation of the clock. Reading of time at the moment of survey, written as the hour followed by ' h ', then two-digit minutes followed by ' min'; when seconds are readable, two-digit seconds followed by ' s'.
5 h 30 min
